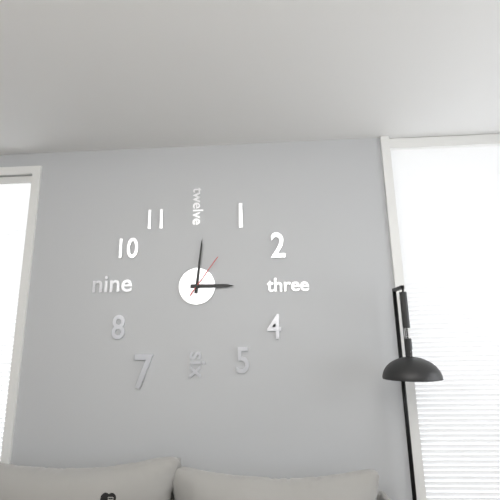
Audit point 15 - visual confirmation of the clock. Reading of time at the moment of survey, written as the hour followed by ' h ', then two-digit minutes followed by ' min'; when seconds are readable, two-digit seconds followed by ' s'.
3 h 01 min
